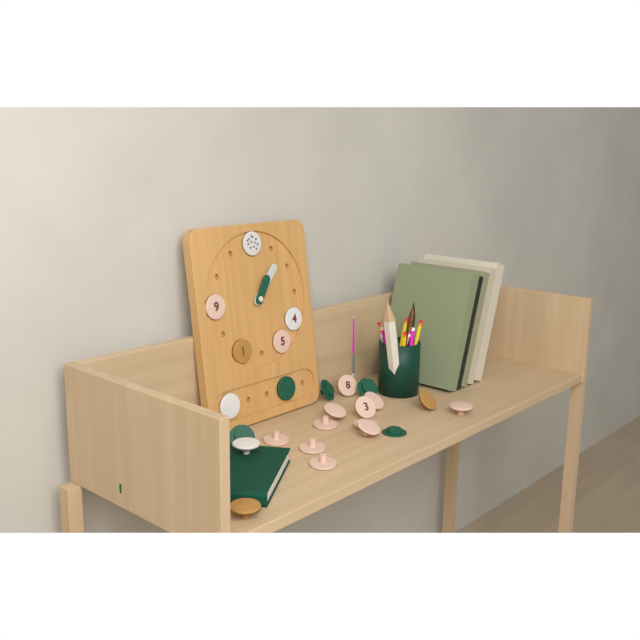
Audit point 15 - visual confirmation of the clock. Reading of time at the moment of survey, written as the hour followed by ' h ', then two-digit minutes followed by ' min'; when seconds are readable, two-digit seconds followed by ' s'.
1 h 07 min
